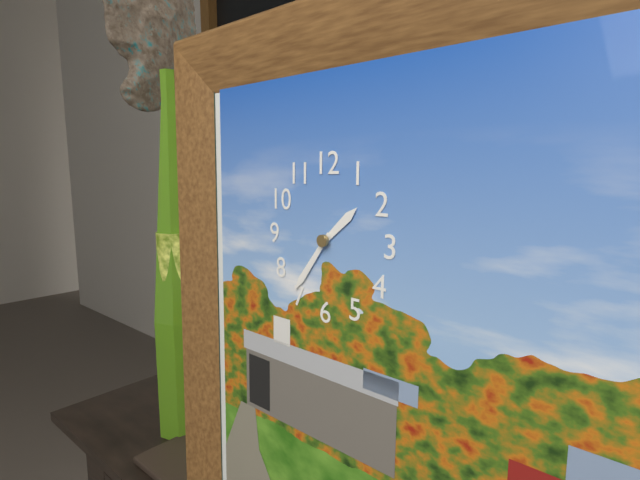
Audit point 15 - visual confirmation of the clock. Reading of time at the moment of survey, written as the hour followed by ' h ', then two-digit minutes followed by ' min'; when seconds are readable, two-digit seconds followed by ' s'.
1 h 36 min
